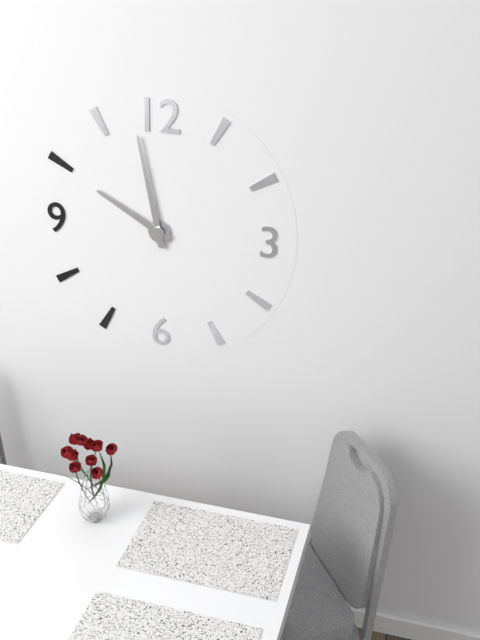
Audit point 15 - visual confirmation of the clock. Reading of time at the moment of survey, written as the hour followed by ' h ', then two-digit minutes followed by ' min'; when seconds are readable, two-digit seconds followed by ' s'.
9 h 58 min
